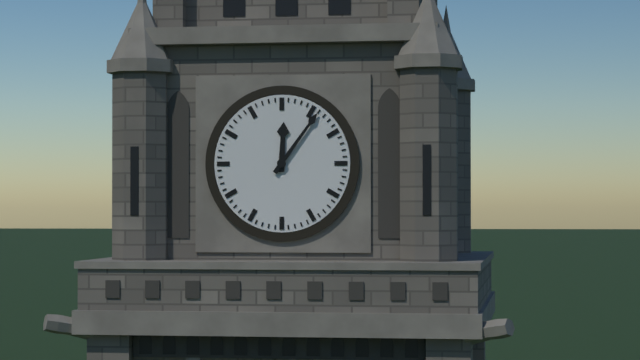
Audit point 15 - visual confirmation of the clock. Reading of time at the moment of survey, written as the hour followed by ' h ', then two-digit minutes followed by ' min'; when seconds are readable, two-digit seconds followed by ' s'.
12 h 06 min
